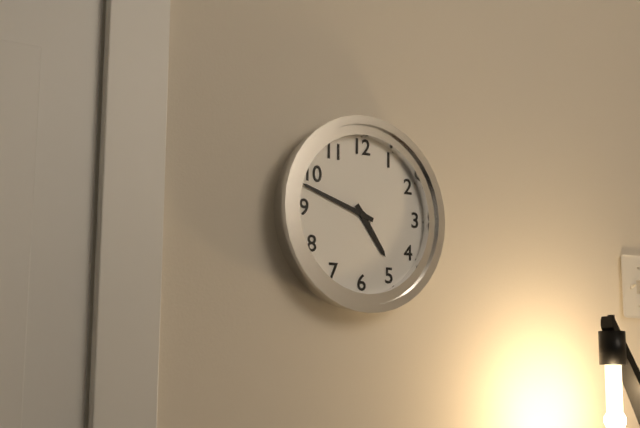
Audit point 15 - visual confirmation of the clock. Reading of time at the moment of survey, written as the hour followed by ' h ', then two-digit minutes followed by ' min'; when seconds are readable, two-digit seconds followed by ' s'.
4 h 48 min
